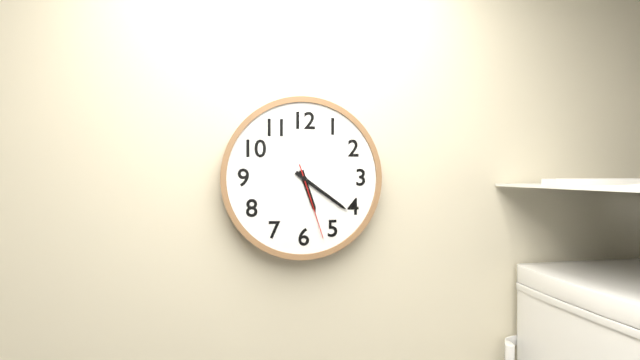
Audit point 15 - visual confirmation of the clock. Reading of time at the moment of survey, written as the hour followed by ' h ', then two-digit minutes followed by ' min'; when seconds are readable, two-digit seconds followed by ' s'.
5 h 21 min 27 s
